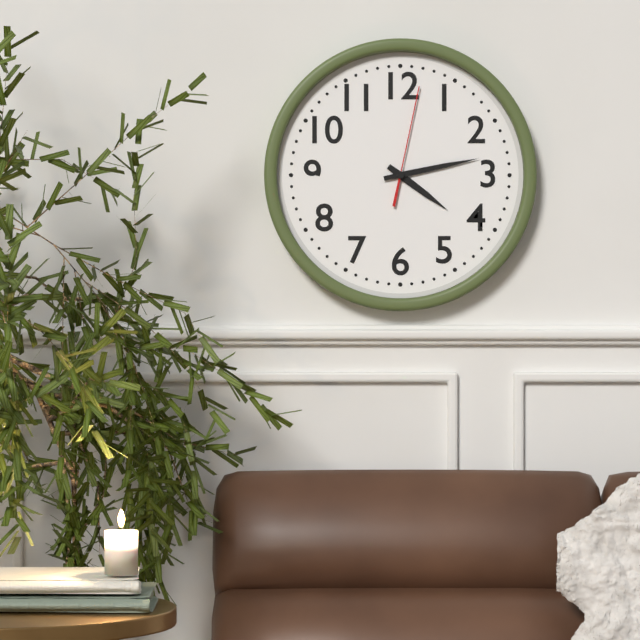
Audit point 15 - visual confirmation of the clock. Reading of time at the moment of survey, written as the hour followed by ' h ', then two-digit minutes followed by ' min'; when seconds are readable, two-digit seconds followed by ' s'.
4 h 13 min 02 s
